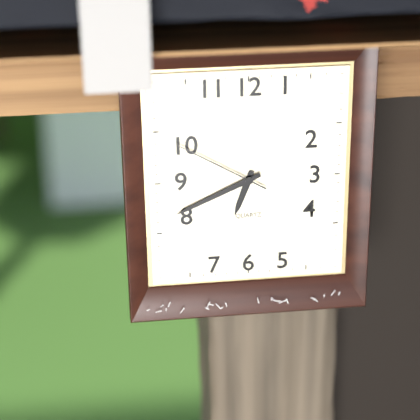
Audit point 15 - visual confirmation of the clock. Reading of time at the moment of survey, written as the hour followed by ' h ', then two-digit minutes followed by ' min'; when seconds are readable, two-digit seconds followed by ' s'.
6 h 41 min 50 s
